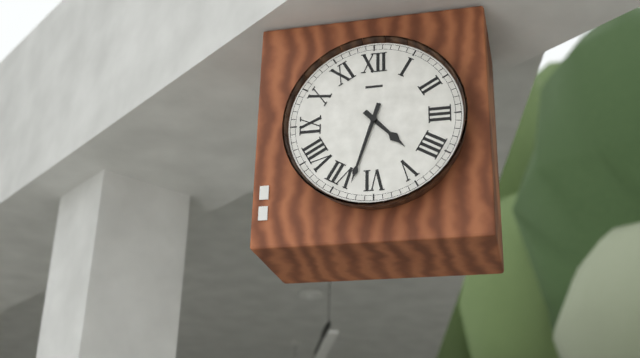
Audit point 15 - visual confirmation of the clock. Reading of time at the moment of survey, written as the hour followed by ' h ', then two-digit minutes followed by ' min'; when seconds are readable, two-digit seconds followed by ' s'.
4 h 33 min
